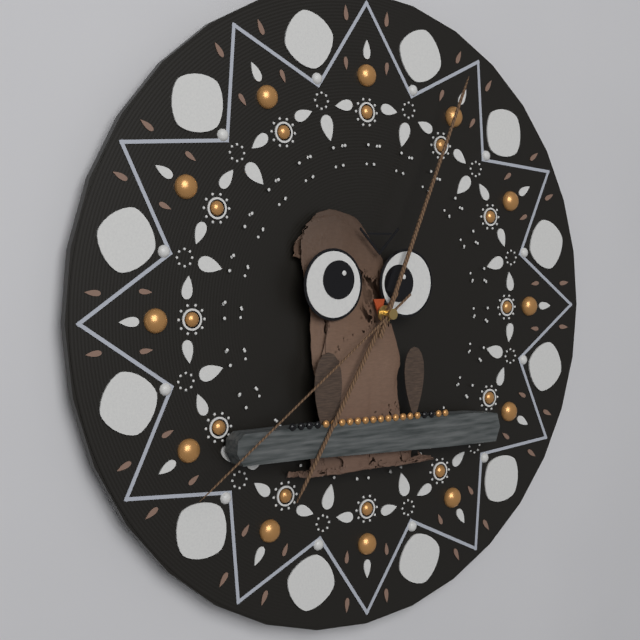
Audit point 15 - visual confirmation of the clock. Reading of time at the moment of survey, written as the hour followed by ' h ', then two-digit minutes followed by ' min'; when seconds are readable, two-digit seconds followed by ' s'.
7 h 04 min 39 s
